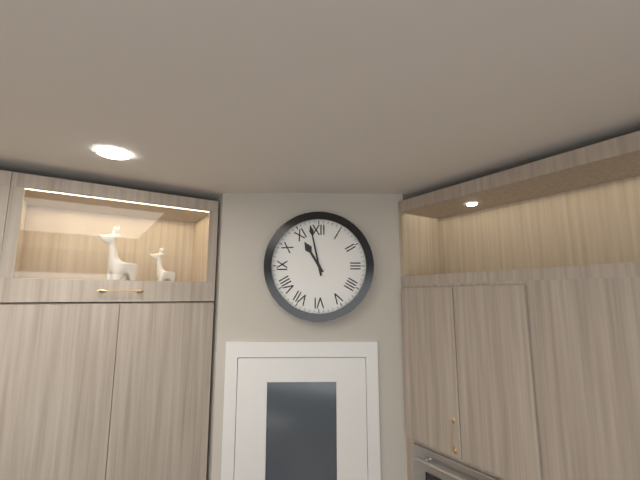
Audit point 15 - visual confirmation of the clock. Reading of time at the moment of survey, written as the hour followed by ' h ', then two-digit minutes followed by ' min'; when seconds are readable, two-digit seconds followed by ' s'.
10 h 58 min
